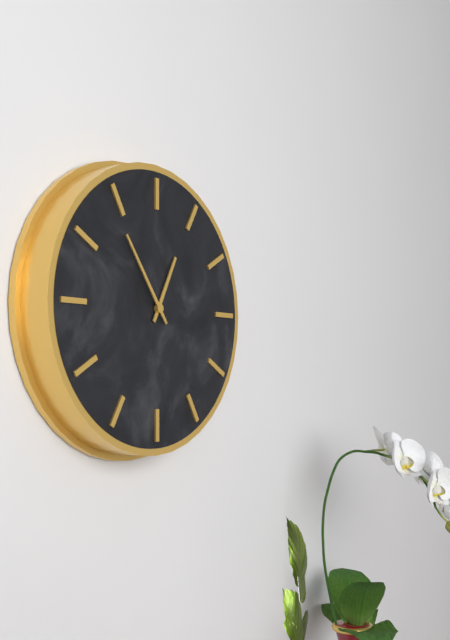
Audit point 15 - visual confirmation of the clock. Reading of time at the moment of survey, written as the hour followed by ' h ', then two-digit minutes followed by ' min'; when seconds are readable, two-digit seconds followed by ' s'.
12 h 54 min
